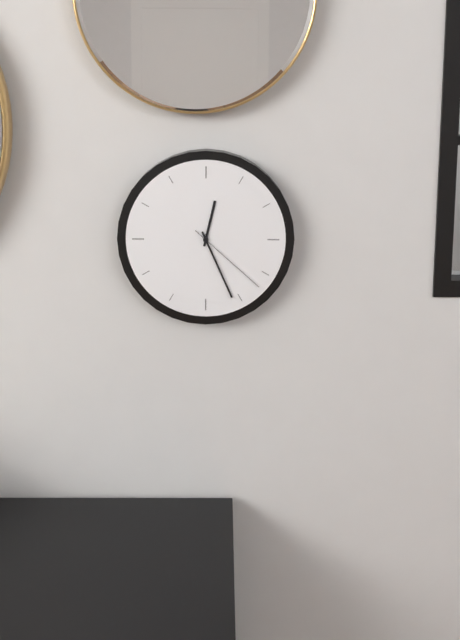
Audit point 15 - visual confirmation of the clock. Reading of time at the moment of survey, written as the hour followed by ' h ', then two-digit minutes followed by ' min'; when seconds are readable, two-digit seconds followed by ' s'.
12 h 26 min 22 s
